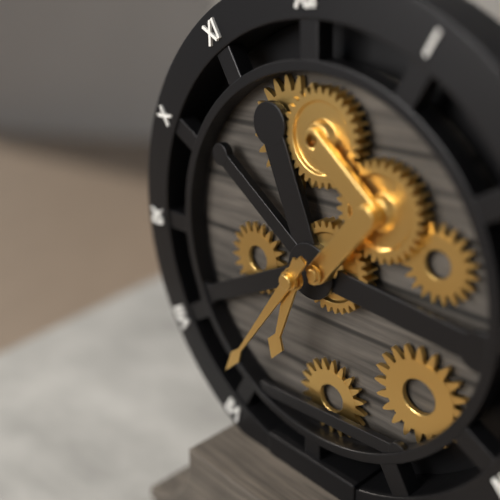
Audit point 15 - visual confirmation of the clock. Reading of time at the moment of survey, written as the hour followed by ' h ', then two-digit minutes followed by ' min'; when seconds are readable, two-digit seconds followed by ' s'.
6 h 36 min
